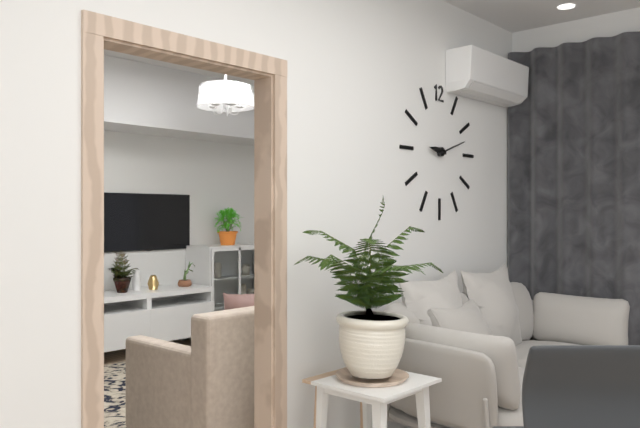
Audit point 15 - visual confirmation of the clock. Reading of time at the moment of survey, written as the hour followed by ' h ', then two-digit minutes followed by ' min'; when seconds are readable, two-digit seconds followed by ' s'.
9 h 12 min
